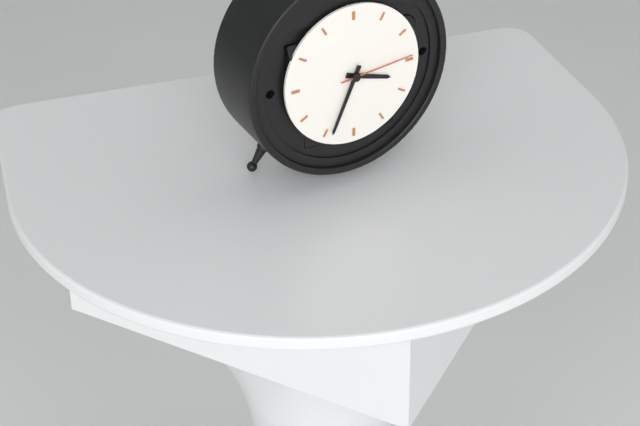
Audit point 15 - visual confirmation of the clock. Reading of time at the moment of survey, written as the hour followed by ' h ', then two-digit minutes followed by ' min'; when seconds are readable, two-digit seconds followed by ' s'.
3 h 34 min 14 s
